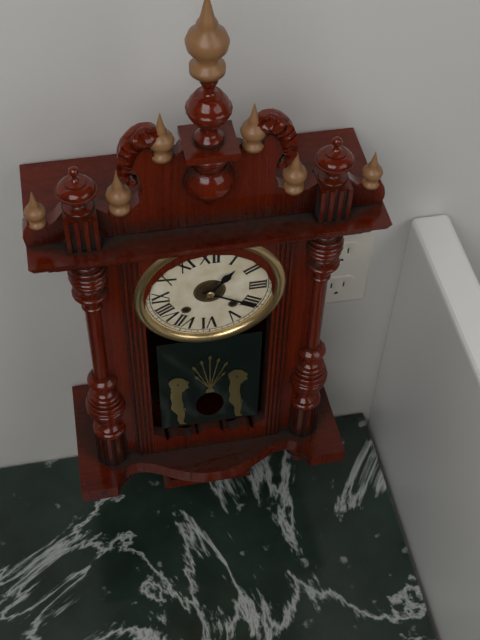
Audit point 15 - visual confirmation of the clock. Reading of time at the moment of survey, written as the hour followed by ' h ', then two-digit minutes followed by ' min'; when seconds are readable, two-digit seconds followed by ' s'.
1 h 20 min
